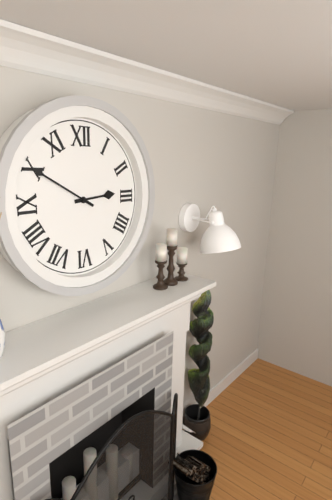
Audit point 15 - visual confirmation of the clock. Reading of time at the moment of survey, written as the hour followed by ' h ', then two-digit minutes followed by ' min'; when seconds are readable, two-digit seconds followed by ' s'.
2 h 50 min
